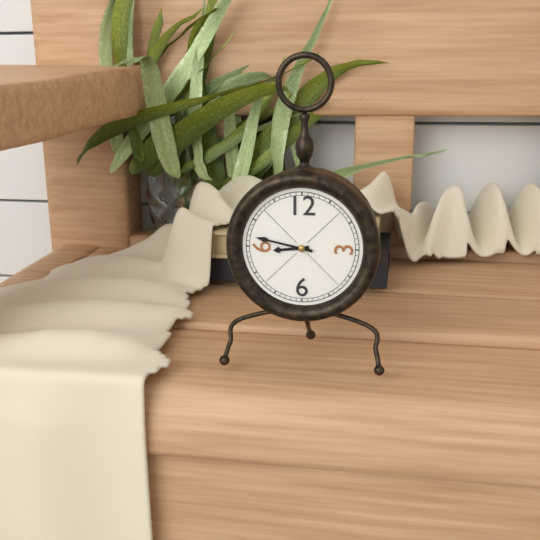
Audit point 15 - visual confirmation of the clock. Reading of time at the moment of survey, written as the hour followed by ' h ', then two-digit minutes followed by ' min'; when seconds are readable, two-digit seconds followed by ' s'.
8 h 47 min
